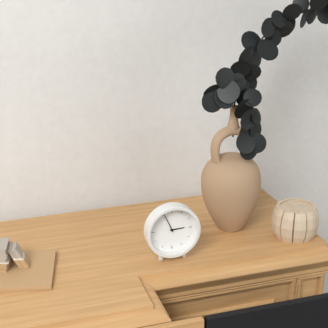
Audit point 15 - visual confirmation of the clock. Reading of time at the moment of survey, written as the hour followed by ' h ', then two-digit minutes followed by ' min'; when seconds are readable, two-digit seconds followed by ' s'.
2 h 56 min
